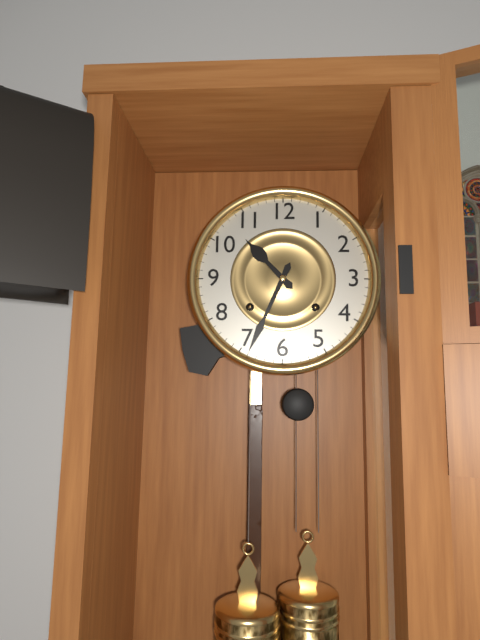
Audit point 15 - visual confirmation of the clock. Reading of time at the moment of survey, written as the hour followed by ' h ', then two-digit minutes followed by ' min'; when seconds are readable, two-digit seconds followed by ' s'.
10 h 34 min
